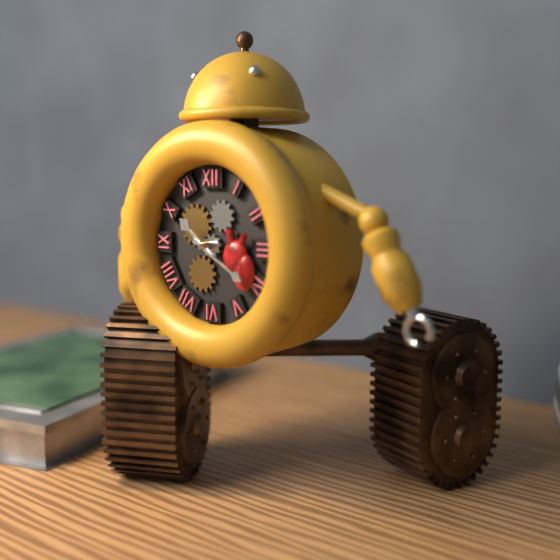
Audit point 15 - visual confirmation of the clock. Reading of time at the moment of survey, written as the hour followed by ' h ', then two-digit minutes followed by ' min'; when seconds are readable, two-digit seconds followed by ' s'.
10 h 20 min
